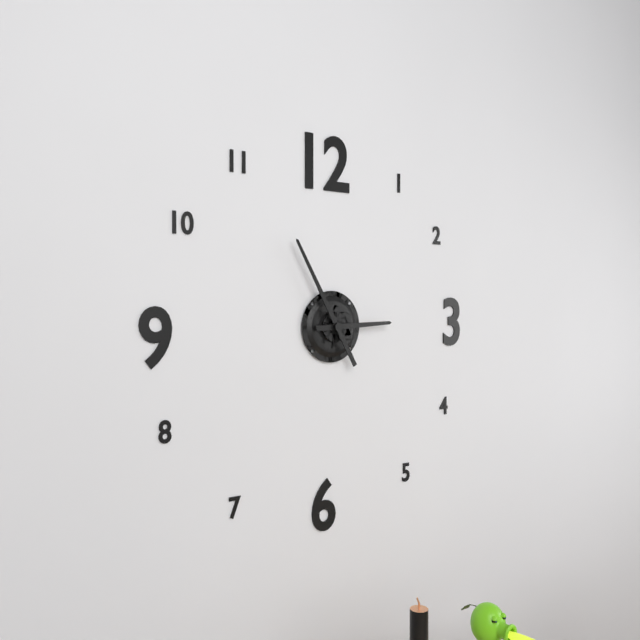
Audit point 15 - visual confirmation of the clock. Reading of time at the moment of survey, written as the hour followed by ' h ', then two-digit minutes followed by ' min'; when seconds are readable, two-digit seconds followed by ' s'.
2 h 55 min
